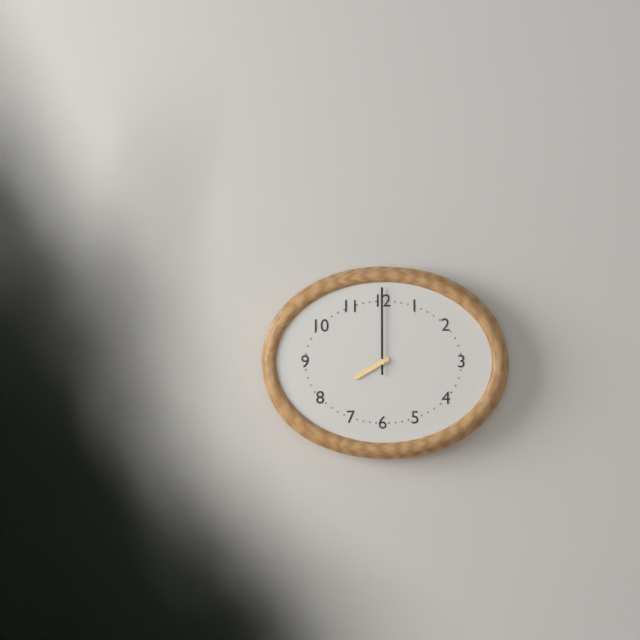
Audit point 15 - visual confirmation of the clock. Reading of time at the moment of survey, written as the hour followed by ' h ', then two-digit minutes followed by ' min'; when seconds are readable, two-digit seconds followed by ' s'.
8 h 00 min
